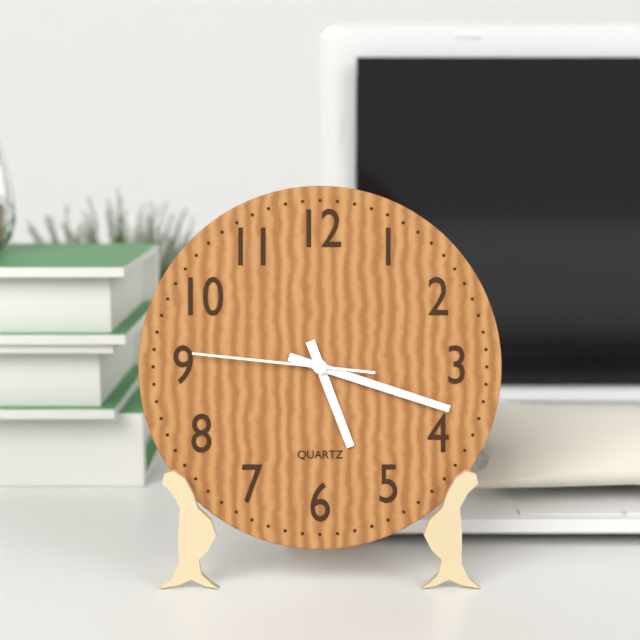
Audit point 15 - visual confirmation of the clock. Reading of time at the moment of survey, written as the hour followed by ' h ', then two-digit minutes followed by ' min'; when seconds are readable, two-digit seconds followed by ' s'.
5 h 18 min 46 s
